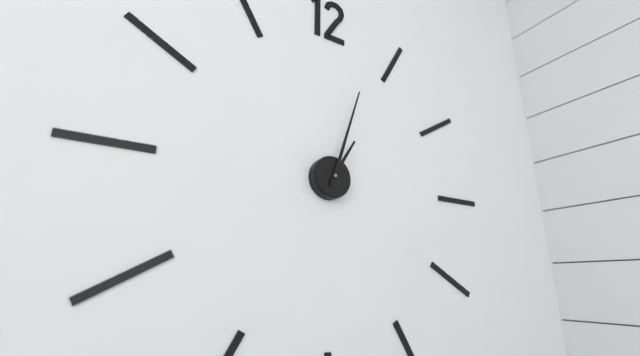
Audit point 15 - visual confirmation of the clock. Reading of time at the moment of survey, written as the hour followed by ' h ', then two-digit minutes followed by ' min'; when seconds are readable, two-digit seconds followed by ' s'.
1 h 03 min
